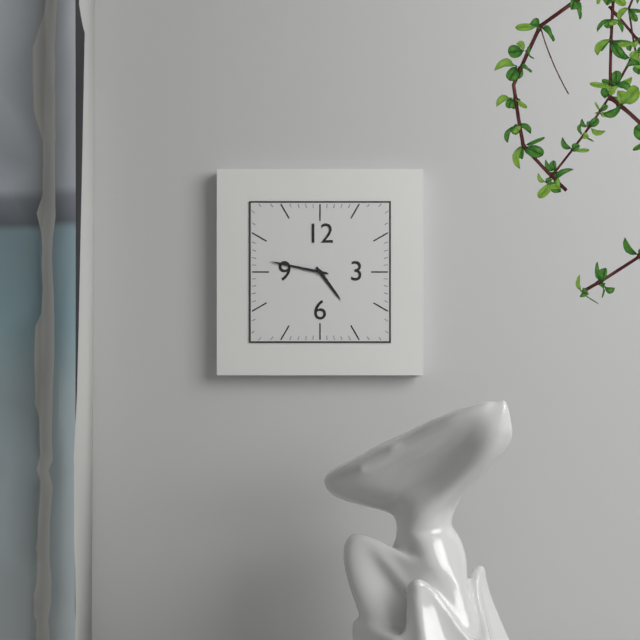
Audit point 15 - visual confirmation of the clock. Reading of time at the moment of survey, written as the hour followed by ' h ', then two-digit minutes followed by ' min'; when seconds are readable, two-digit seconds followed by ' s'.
4 h 47 min
